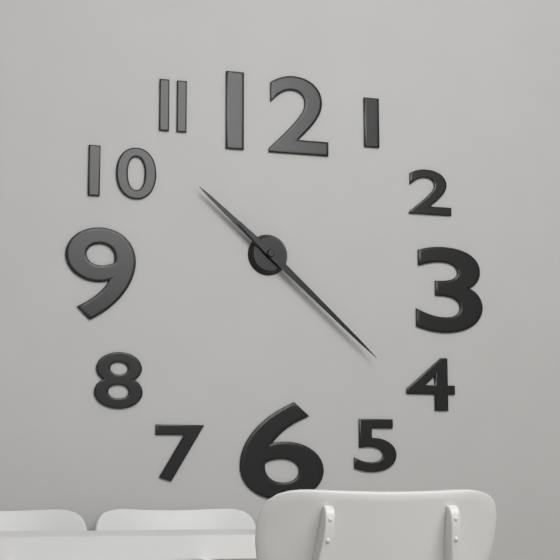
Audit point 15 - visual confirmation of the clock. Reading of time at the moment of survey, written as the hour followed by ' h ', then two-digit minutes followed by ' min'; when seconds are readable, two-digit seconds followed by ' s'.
10 h 22 min
